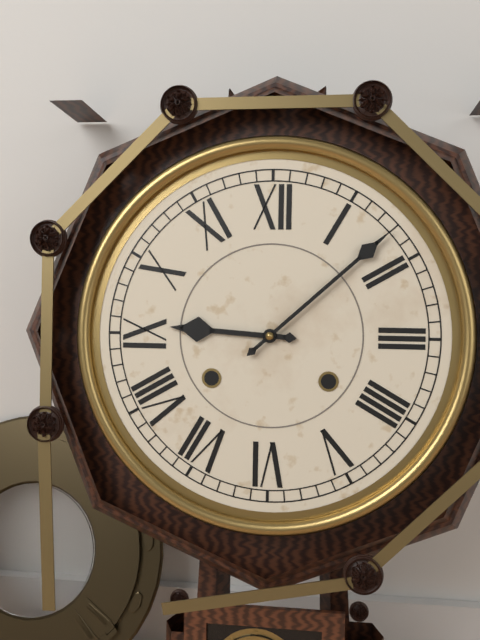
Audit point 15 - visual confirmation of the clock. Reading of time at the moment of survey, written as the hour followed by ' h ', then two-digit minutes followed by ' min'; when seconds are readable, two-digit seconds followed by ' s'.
9 h 08 min
